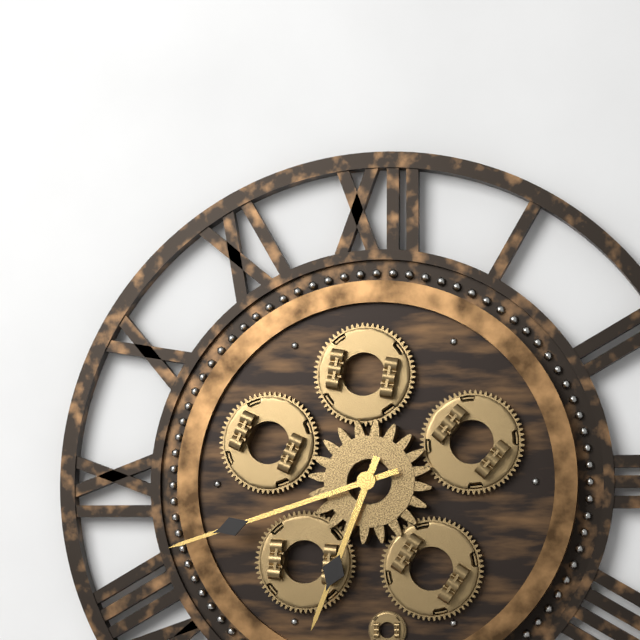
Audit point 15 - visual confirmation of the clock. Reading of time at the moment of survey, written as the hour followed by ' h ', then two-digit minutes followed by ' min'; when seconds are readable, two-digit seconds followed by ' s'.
6 h 42 min
